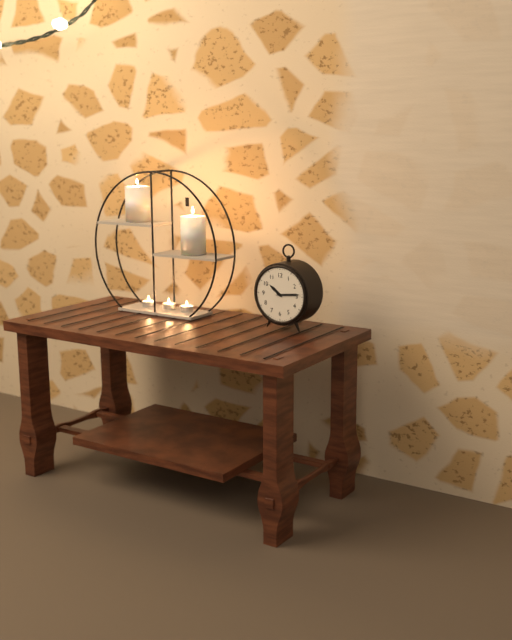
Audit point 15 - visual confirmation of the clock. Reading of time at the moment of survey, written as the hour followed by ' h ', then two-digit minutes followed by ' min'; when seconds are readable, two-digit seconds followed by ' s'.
10 h 14 min
